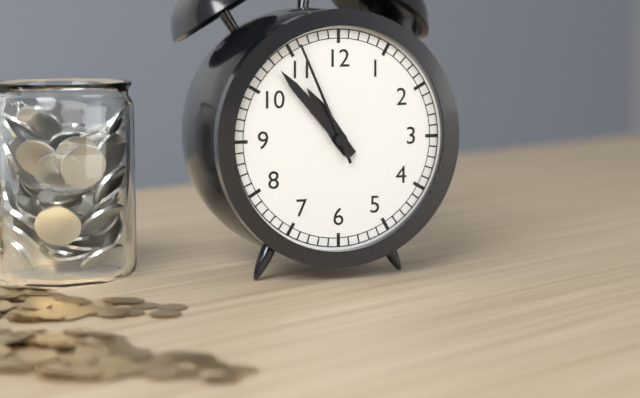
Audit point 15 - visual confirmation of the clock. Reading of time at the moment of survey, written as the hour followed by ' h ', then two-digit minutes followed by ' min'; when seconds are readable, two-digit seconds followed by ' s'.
10 h 53 min 56 s
